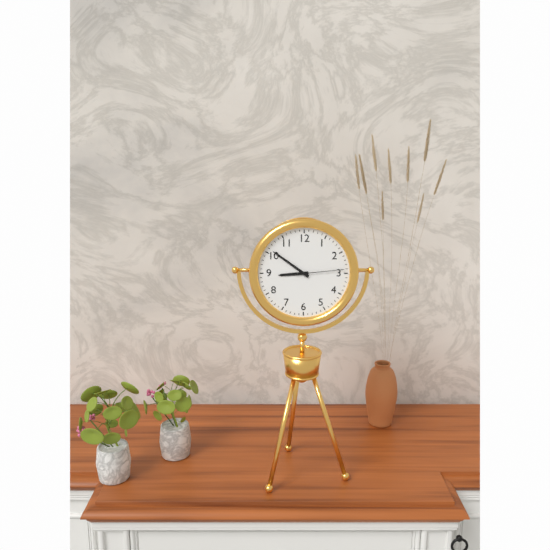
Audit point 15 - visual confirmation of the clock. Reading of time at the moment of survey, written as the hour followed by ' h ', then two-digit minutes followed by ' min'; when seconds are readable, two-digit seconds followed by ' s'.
8 h 51 min 14 s
